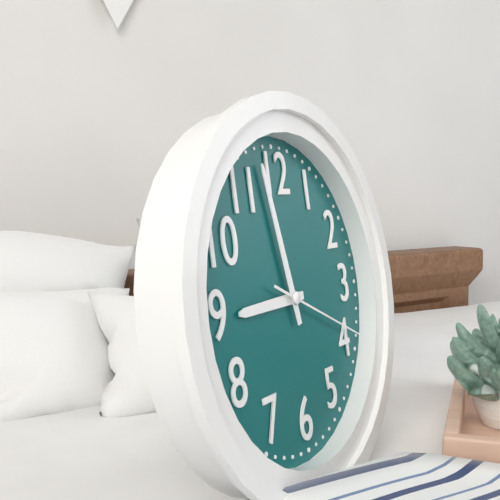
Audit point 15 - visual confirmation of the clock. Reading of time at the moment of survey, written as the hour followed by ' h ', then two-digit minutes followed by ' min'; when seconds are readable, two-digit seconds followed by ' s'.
8 h 58 min 19 s
